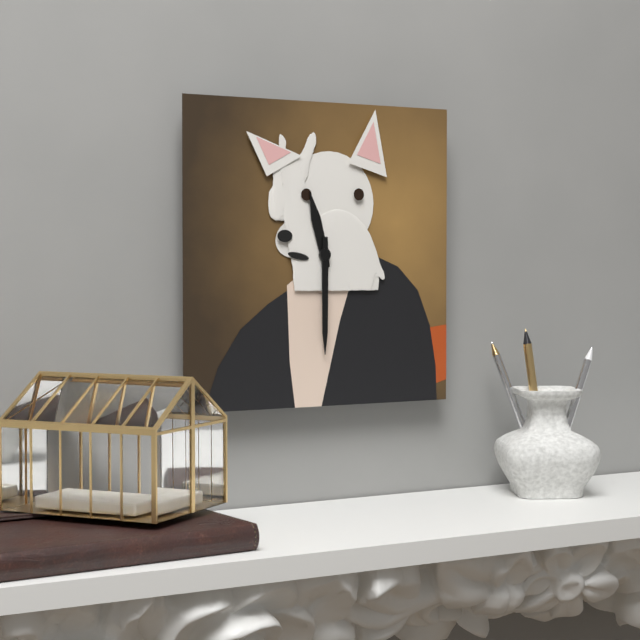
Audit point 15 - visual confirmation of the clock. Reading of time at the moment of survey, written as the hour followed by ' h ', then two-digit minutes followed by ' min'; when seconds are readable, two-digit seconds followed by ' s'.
11 h 30 min
